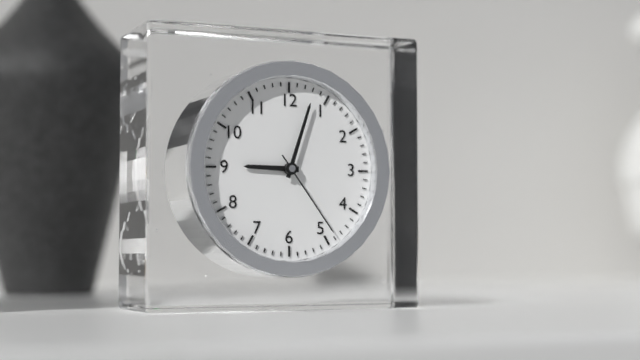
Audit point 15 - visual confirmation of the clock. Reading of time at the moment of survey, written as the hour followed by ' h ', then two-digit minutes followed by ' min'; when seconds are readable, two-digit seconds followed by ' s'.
9 h 03 min 24 s
